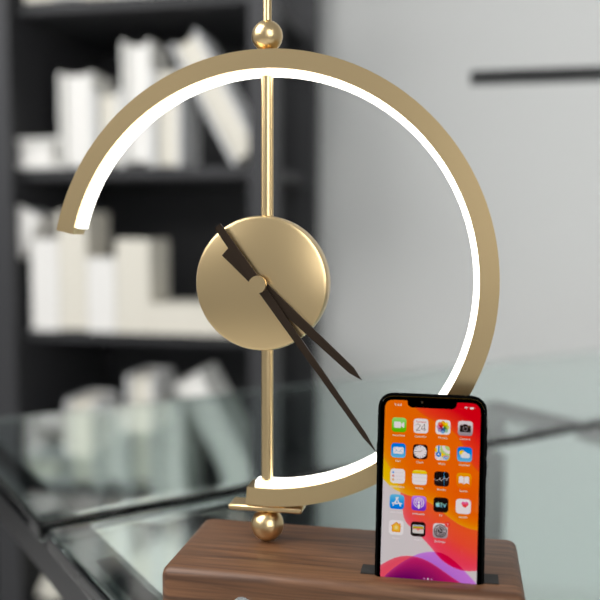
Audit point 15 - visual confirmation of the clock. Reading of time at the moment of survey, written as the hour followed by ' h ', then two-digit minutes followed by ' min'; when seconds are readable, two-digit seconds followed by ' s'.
4 h 24 min
